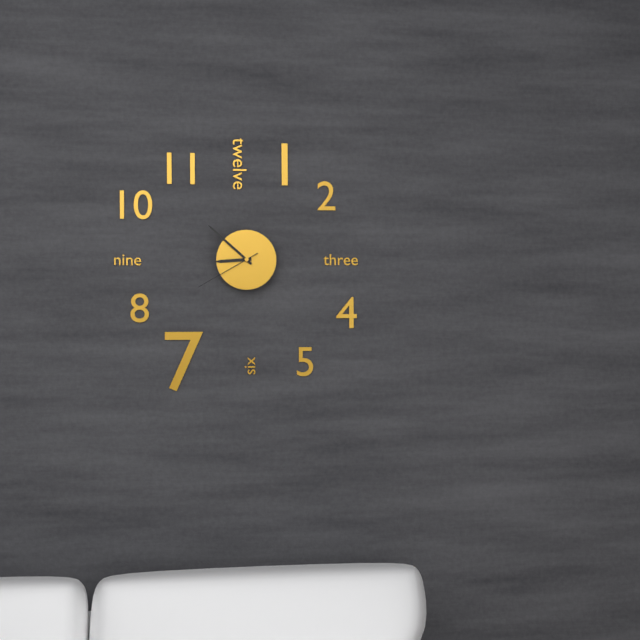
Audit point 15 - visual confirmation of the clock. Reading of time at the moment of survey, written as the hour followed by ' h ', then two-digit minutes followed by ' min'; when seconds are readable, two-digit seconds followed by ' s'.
8 h 52 min 40 s
